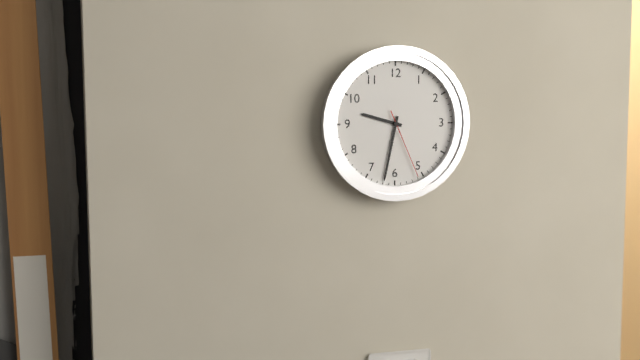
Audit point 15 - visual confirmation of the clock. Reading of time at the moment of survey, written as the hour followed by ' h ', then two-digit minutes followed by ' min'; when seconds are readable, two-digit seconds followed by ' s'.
9 h 32 min 26 s
